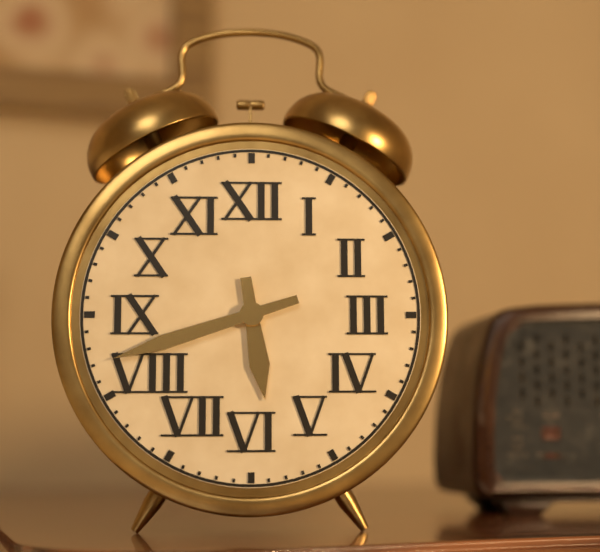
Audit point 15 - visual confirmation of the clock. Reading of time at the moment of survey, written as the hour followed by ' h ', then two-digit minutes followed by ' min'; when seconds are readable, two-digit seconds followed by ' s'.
5 h 42 min
